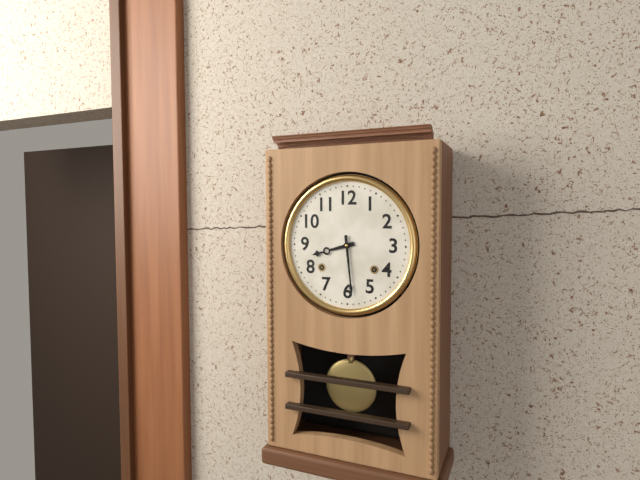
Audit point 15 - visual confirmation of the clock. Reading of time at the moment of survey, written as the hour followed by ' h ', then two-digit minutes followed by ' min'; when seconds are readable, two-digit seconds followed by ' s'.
8 h 29 min
